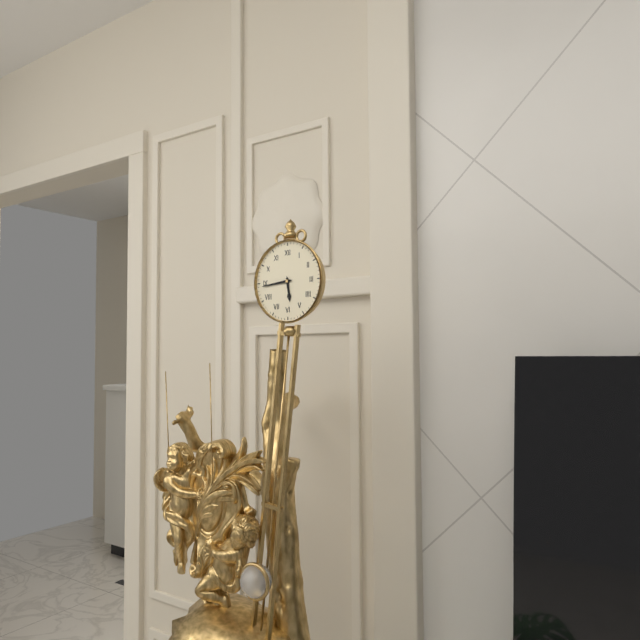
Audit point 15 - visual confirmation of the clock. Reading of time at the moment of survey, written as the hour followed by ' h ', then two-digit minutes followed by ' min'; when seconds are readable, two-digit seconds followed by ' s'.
5 h 44 min
